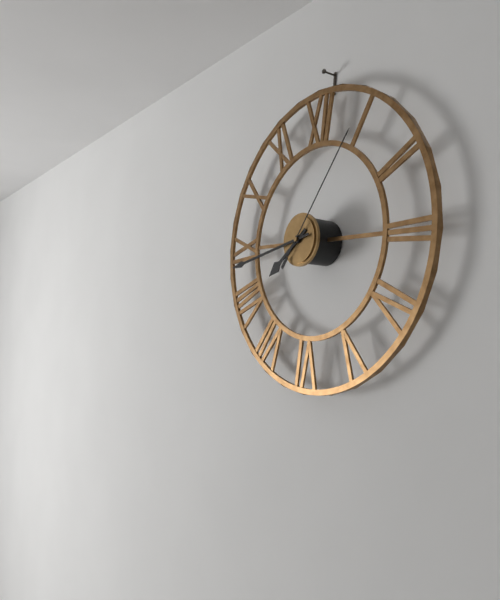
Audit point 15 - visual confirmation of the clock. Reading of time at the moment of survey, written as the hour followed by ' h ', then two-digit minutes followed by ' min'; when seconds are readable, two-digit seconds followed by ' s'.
7 h 43 min 06 s
